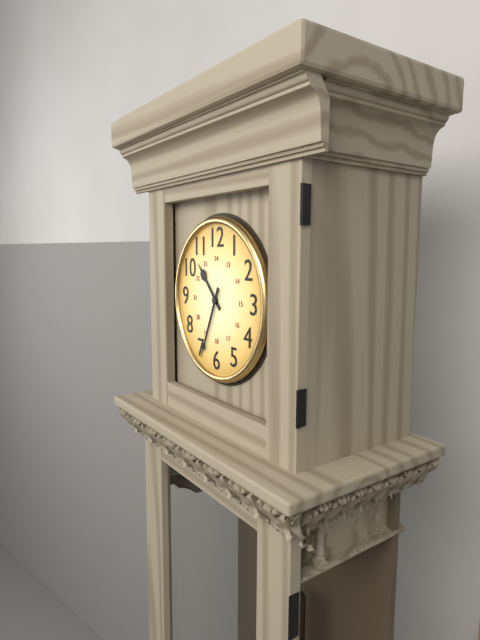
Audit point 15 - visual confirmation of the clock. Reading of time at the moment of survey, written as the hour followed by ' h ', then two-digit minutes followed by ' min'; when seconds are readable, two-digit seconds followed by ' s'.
10 h 34 min
